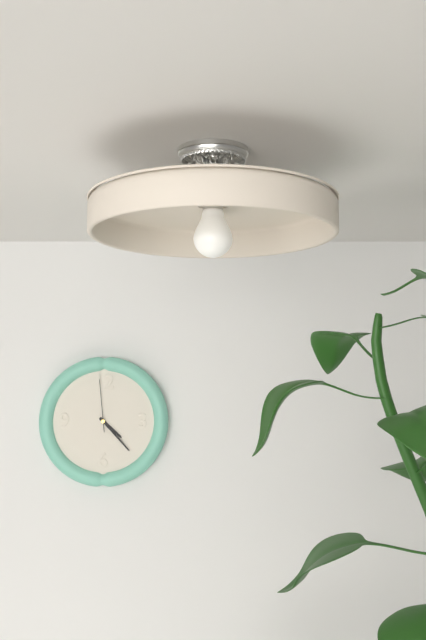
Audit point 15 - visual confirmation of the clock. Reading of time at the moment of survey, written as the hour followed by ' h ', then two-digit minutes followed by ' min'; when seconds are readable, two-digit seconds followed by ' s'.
4 h 23 min 59 s
